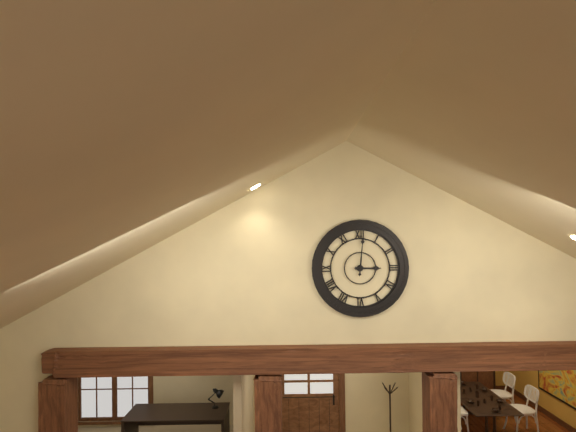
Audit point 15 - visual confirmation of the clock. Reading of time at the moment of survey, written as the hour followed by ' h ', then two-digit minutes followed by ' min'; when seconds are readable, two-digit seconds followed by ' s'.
3 h 01 min
